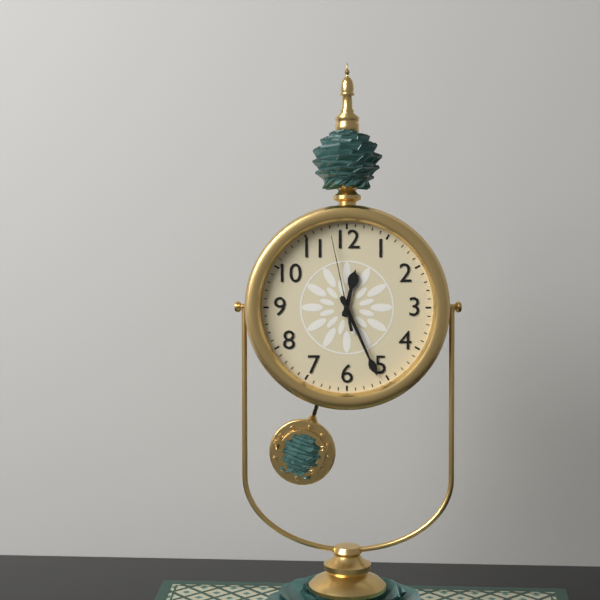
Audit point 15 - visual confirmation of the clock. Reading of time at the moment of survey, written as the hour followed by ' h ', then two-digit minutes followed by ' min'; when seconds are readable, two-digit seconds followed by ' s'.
12 h 26 min 58 s
